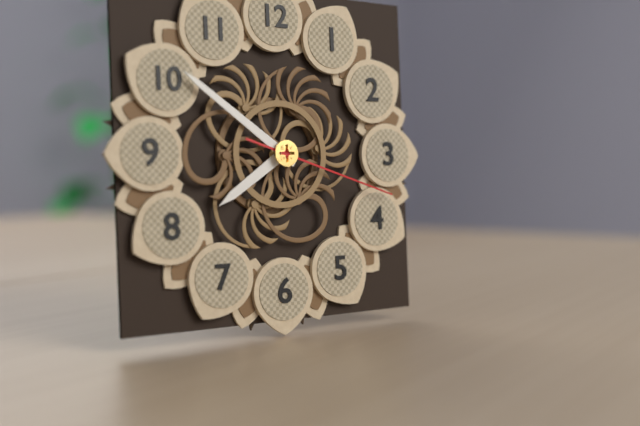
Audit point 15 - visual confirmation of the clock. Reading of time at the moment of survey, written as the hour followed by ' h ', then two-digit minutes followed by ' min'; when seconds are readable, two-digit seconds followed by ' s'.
7 h 51 min 18 s
